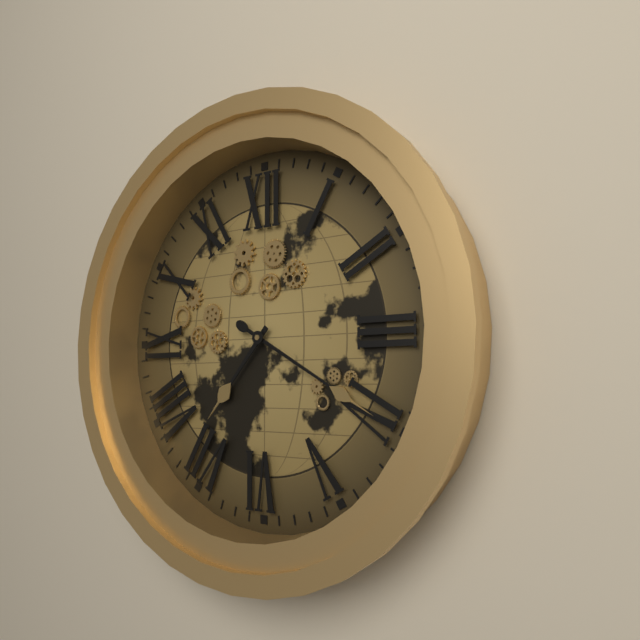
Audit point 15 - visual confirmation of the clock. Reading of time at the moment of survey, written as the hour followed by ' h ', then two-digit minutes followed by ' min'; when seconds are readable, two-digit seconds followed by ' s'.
7 h 20 min
